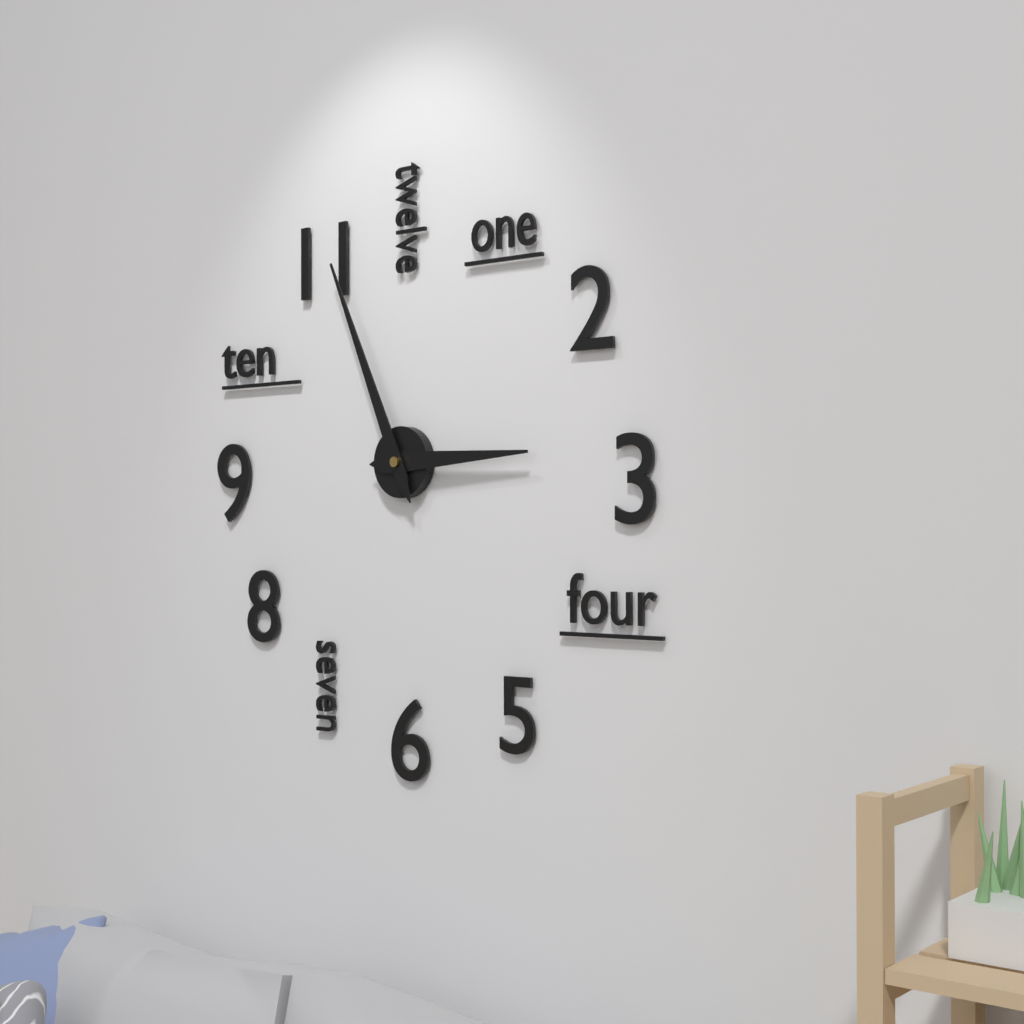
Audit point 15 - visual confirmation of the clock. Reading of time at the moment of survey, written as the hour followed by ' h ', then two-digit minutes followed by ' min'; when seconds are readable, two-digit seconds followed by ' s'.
2 h 56 min
